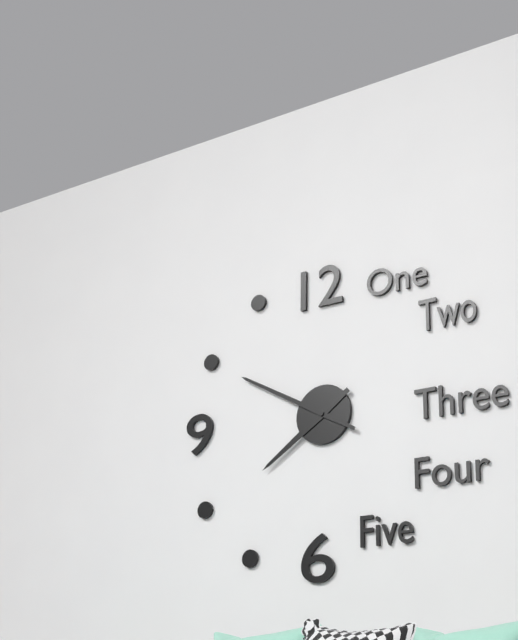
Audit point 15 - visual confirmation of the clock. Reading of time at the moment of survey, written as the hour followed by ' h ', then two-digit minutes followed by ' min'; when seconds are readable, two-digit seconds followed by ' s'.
7 h 50 min
